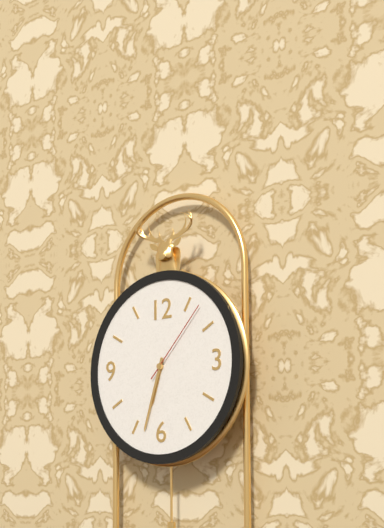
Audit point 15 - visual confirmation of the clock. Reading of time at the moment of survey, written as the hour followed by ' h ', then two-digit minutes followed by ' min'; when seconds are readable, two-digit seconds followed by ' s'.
6 h 33 min 07 s
